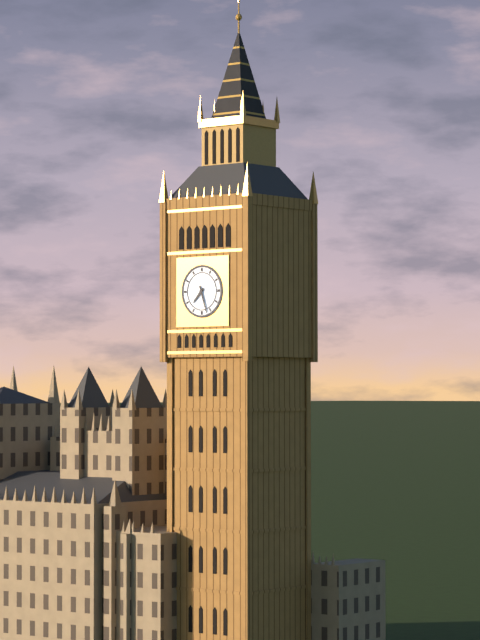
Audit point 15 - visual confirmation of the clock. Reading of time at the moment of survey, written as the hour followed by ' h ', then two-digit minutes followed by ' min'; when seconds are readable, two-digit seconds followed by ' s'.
7 h 27 min
